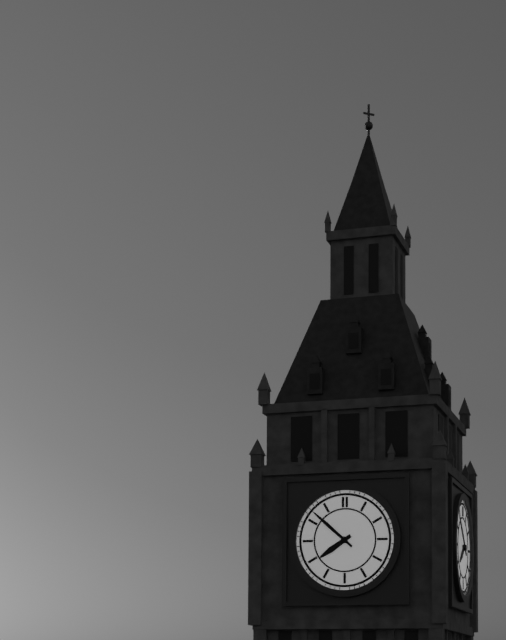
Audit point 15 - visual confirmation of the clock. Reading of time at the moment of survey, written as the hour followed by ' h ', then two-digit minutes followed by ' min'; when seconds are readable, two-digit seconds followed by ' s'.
7 h 52 min
